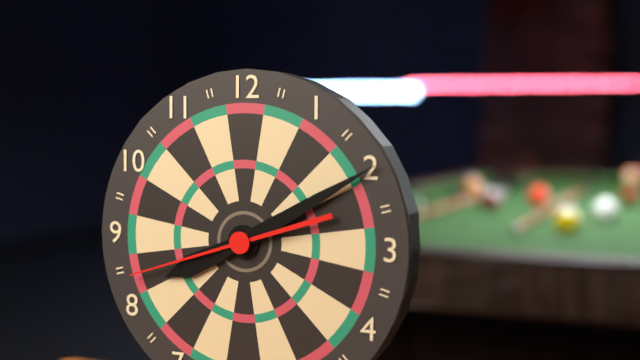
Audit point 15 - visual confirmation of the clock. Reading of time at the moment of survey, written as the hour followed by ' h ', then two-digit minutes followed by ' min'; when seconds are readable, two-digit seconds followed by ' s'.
8 h 10 min 42 s
